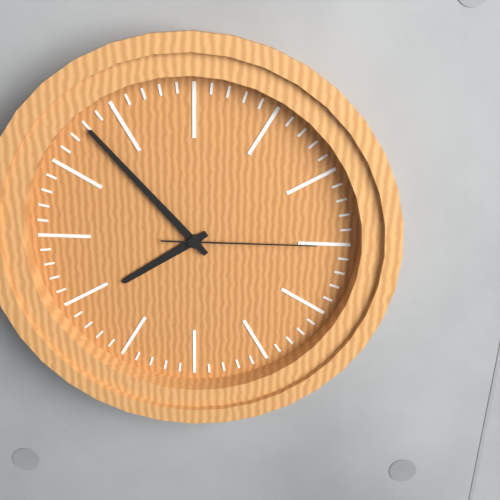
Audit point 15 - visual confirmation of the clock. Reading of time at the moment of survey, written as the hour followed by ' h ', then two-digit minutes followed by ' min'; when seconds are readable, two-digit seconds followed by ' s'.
7 h 53 min 15 s
